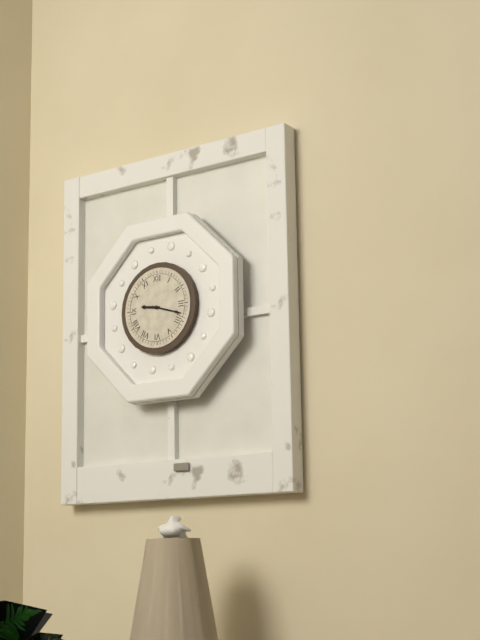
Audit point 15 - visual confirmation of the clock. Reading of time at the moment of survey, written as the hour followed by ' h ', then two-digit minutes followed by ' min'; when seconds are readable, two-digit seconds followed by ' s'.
9 h 18 min
